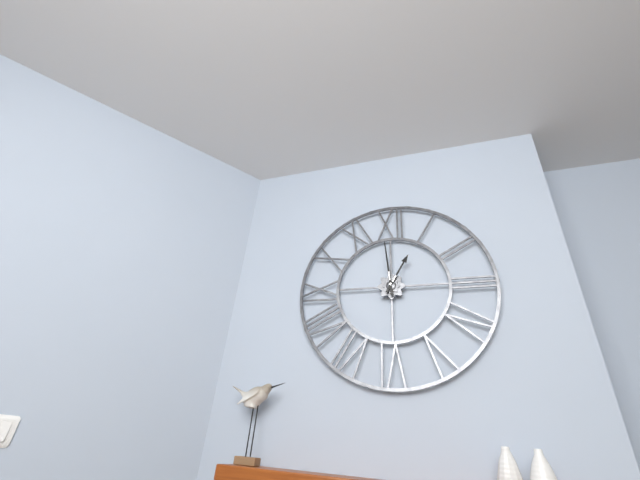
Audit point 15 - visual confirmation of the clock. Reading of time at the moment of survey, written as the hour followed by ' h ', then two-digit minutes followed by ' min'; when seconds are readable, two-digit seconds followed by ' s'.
12 h 59 min
